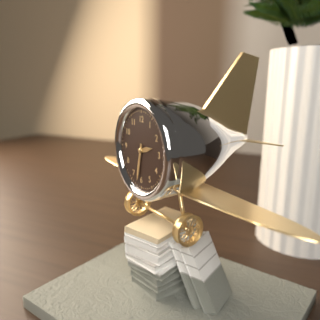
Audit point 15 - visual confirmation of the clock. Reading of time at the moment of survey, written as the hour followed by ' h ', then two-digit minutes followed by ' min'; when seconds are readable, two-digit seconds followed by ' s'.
2 h 32 min
